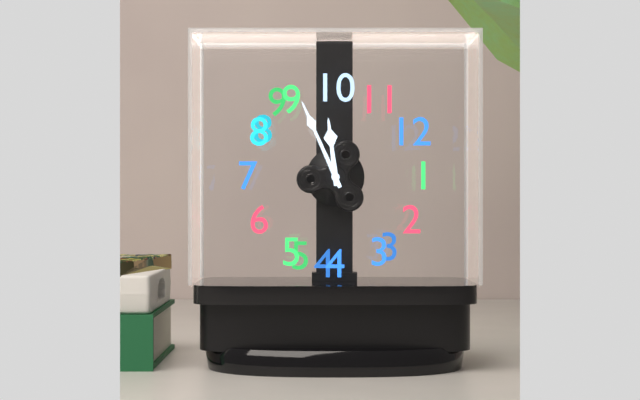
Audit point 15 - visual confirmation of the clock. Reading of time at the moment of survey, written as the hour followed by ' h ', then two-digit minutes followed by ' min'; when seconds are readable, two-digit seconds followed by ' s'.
9 h 46 min
